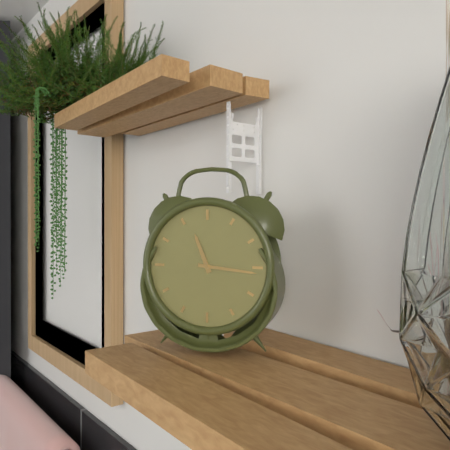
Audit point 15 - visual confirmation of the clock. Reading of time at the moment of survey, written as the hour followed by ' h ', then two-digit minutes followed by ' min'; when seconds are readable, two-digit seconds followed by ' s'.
11 h 16 min
